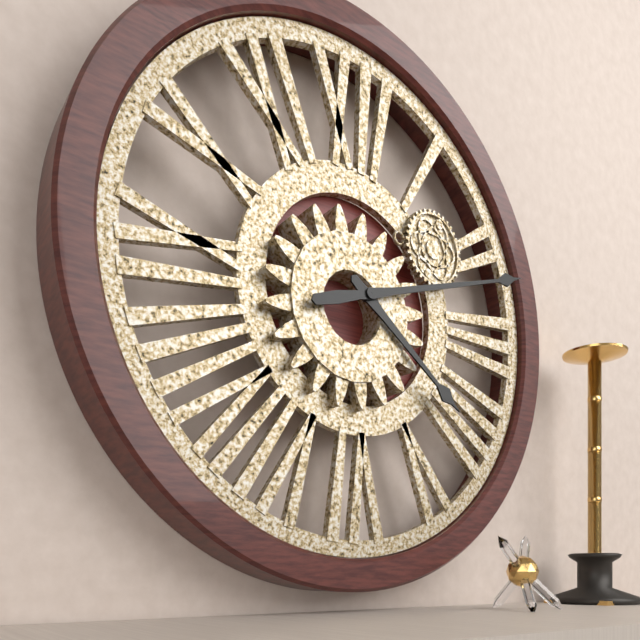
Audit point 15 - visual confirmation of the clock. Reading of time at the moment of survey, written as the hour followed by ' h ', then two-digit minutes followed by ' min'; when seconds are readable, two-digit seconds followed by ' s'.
4 h 12 min
